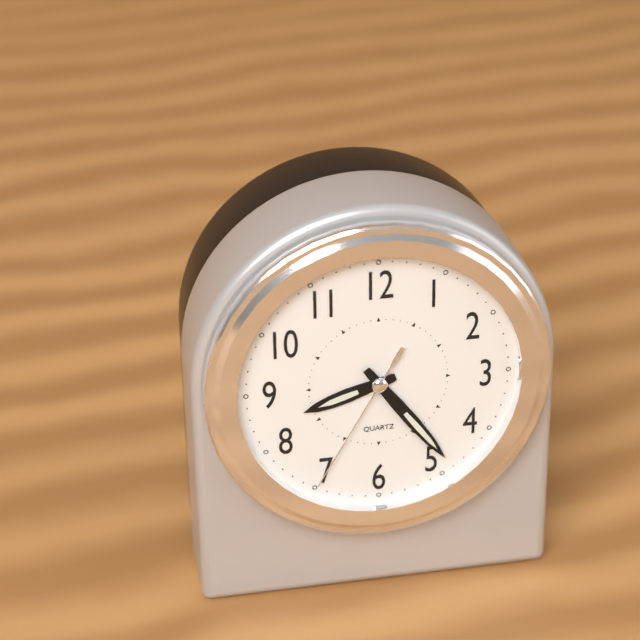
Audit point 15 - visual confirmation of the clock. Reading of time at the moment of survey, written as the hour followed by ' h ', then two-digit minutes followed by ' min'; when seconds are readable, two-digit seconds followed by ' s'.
8 h 24 min 35 s
